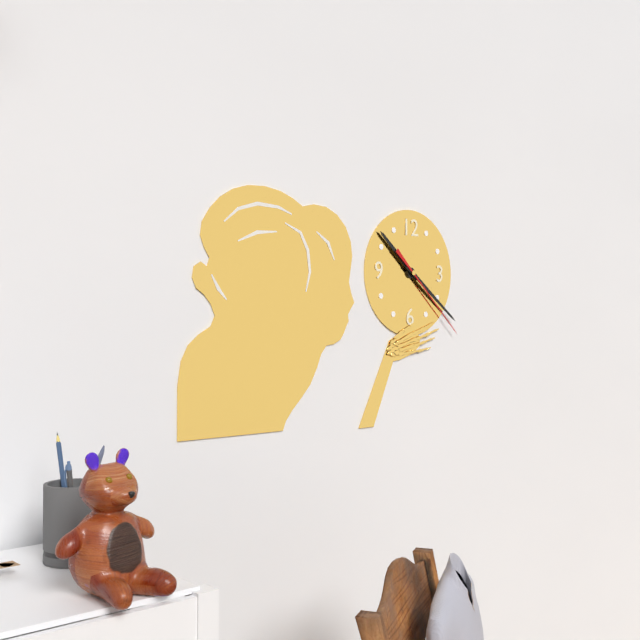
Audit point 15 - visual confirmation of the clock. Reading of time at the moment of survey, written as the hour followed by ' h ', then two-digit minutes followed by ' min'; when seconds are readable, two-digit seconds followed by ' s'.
10 h 21 min 22 s
